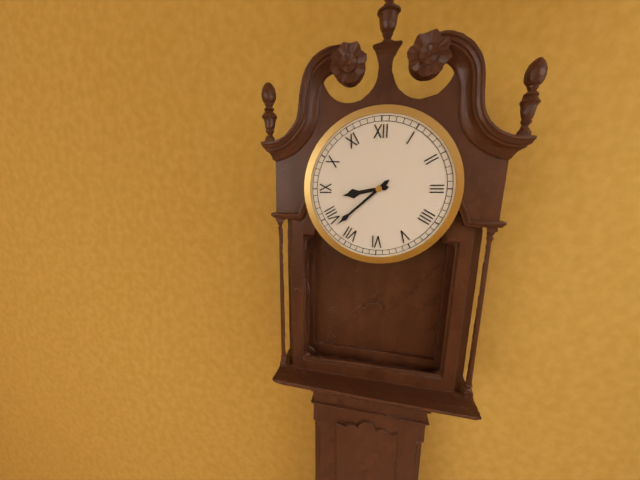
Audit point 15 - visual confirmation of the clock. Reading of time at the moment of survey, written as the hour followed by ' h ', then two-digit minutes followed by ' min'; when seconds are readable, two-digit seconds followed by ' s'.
8 h 38 min
